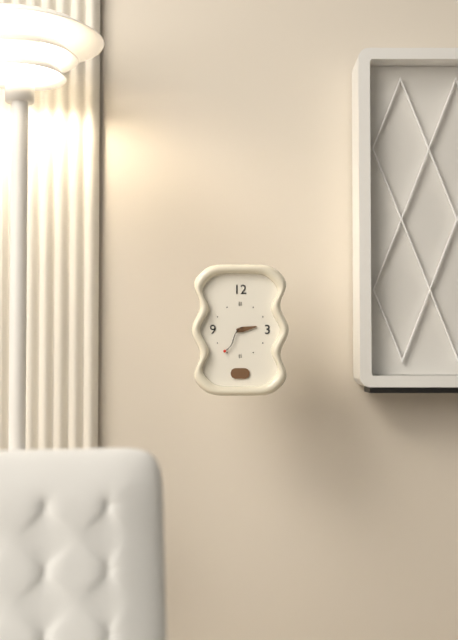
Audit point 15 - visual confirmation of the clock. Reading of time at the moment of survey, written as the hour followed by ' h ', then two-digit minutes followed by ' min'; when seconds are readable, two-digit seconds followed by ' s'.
2 h 36 min
